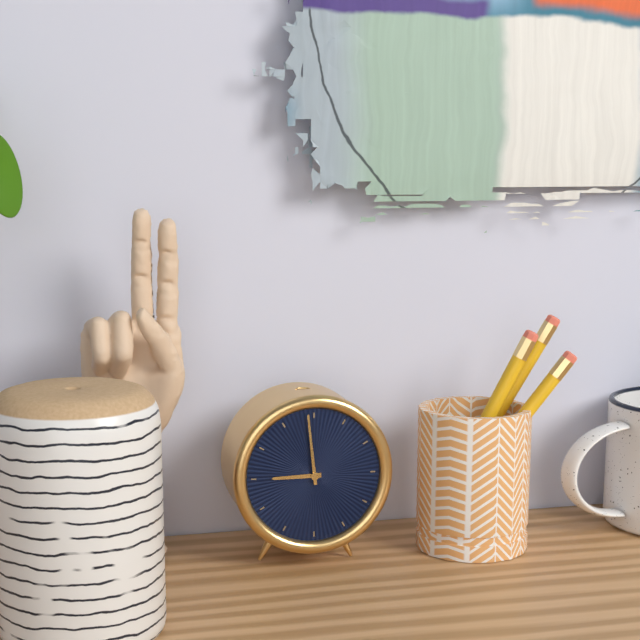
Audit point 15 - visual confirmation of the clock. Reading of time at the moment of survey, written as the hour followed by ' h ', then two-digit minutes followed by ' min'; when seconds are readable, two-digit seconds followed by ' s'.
8 h 59 min
